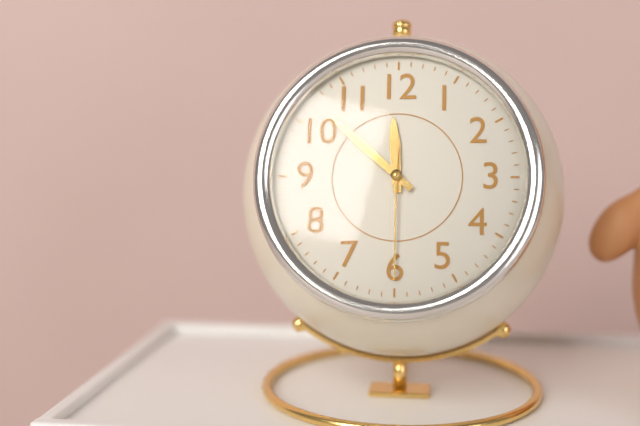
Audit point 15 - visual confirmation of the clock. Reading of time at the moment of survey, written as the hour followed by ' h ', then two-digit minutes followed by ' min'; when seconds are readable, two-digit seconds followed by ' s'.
11 h 52 min 30 s
